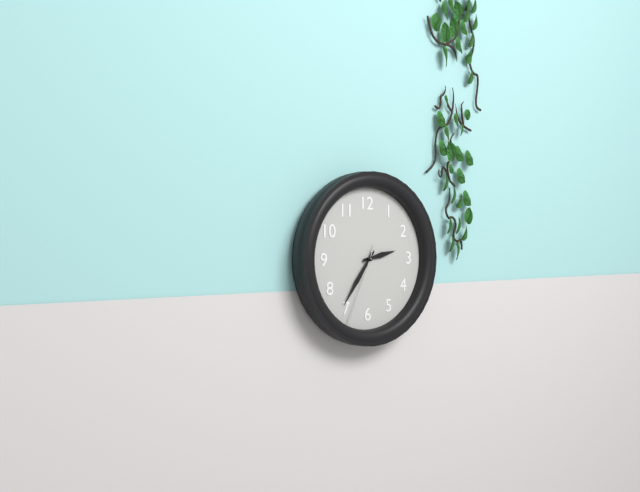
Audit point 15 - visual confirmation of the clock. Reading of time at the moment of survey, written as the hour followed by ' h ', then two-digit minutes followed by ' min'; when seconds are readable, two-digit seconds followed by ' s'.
2 h 36 min 34 s
